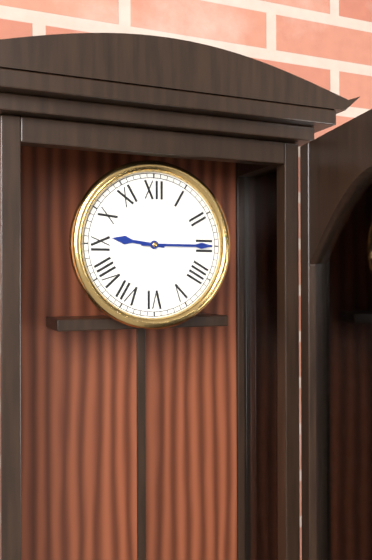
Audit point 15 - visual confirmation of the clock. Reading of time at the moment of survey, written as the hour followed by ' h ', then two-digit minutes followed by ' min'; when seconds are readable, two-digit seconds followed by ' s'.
9 h 15 min
